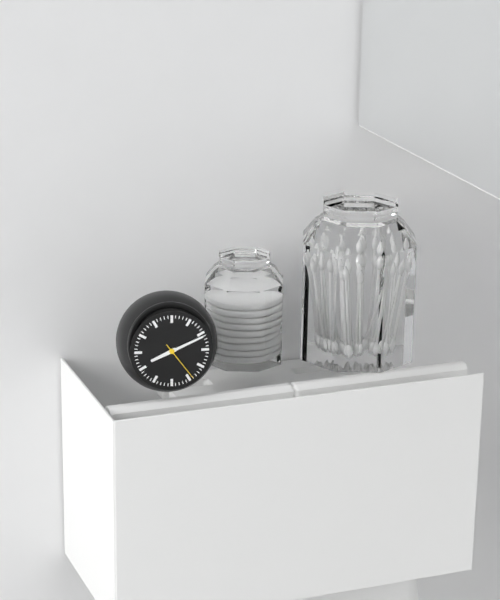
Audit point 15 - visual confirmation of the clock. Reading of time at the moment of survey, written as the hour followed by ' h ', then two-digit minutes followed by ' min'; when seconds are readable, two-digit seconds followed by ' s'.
8 h 11 min
